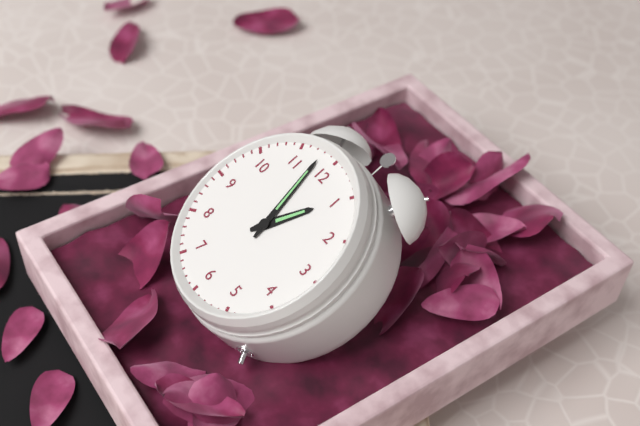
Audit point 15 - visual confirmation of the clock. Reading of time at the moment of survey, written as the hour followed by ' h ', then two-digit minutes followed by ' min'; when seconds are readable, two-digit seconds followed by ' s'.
12 h 58 min
